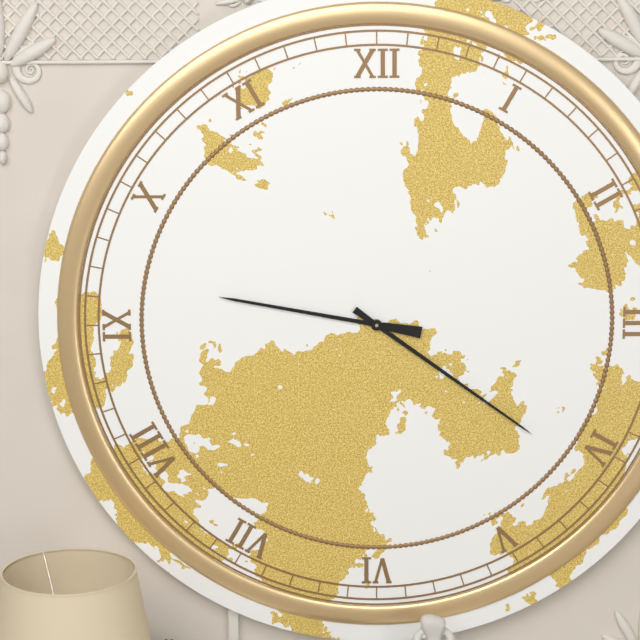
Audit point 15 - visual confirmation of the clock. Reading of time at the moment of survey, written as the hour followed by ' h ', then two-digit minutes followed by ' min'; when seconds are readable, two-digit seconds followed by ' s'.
9 h 21 min
